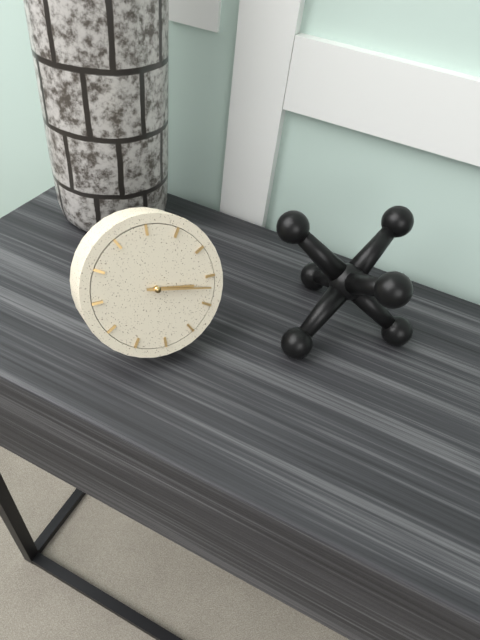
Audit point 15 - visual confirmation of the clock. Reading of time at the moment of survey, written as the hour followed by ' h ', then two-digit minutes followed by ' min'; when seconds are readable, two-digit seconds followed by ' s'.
3 h 17 min
